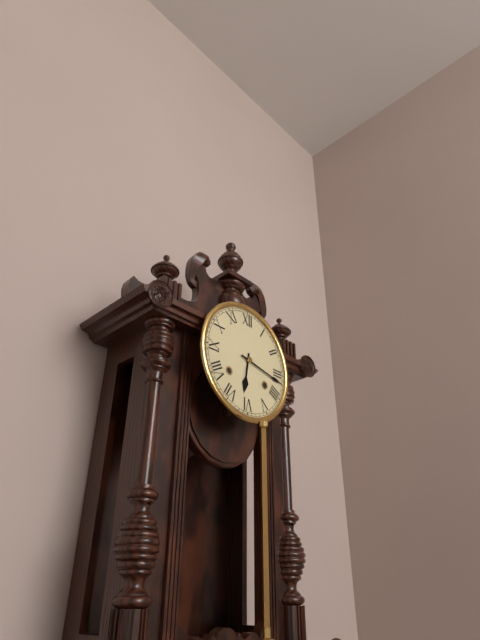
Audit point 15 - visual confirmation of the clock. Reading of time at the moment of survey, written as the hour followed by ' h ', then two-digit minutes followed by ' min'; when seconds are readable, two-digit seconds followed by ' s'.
6 h 17 min
